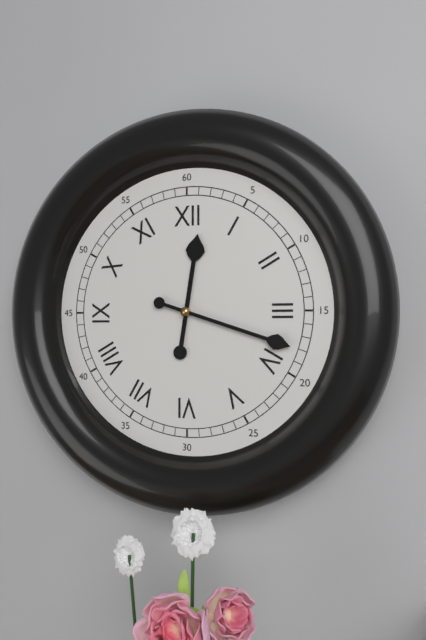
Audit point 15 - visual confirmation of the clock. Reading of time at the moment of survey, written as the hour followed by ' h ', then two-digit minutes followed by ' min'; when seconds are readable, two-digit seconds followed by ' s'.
12 h 18 min
